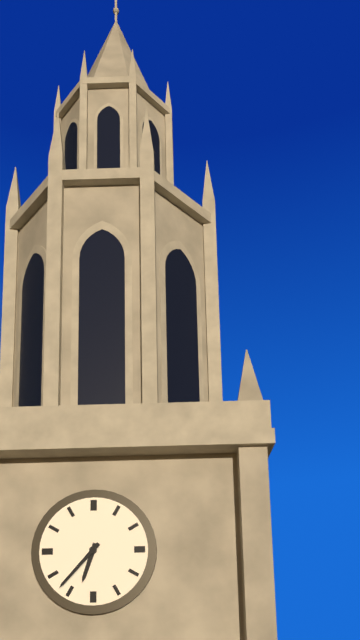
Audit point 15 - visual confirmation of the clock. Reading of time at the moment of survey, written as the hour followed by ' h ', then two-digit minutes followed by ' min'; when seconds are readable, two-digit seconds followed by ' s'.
6 h 37 min
